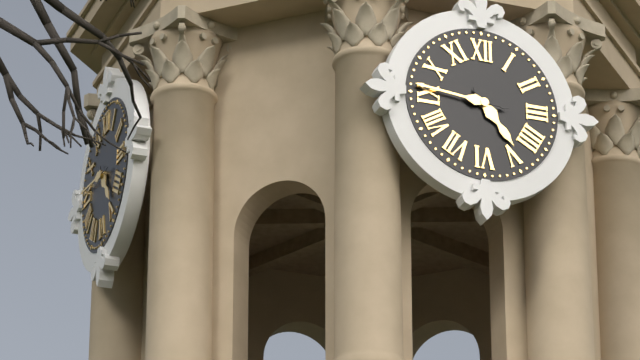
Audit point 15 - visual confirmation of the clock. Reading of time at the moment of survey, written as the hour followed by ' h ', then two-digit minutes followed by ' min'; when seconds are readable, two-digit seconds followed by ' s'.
4 h 46 min
